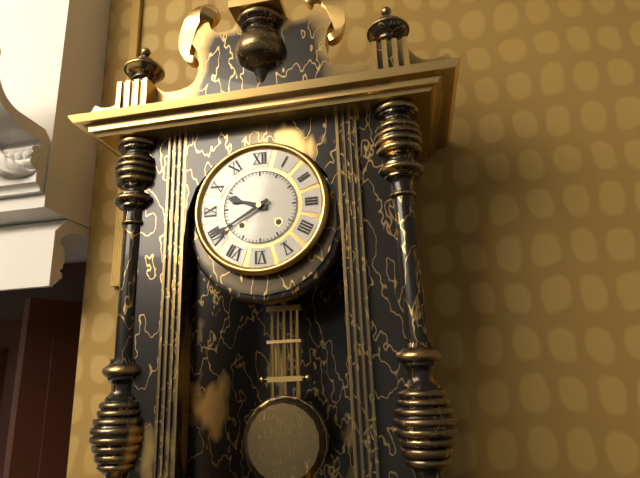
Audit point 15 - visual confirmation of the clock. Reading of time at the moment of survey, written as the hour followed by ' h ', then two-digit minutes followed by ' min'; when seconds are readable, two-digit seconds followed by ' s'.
9 h 40 min
